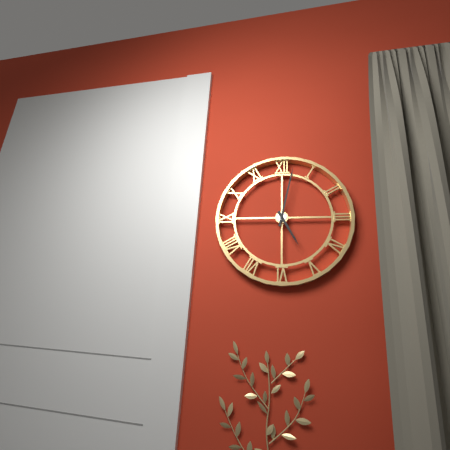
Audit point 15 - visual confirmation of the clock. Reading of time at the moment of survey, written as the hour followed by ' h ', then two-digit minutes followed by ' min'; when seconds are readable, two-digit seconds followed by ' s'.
5 h 02 min
